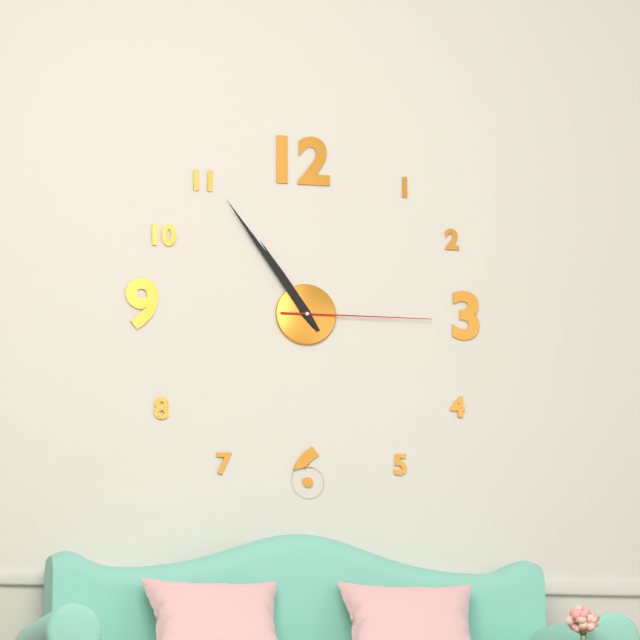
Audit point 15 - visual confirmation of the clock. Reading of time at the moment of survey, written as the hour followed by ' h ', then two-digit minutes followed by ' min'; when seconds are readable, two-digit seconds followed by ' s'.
10 h 54 min 15 s
